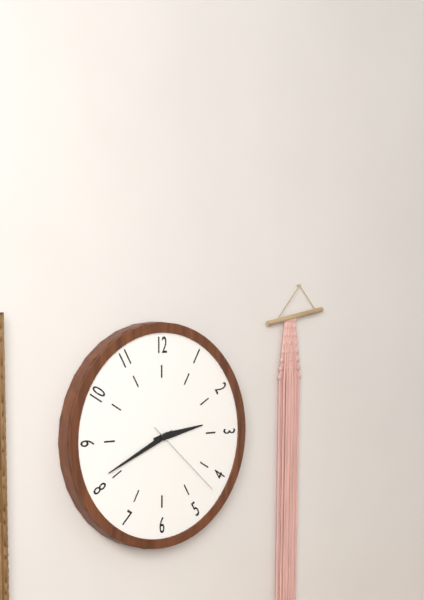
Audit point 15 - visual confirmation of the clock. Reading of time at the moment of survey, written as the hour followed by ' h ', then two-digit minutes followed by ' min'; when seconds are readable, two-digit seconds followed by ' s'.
2 h 41 min 22 s
